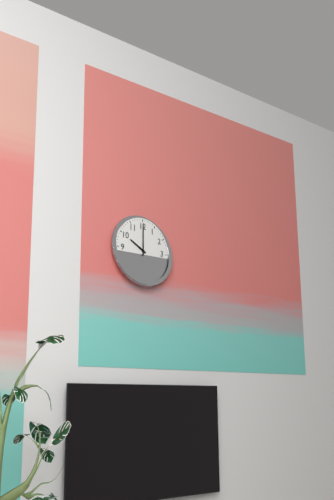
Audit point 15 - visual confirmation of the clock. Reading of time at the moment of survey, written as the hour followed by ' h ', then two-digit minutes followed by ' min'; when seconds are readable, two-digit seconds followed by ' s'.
10 h 00 min
